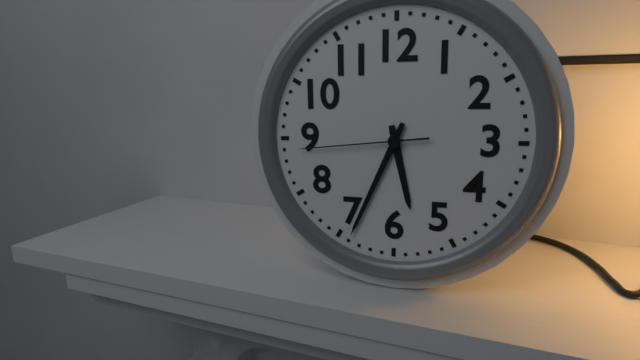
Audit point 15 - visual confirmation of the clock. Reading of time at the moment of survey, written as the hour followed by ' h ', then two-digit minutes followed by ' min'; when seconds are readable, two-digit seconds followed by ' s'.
5 h 34 min 44 s
